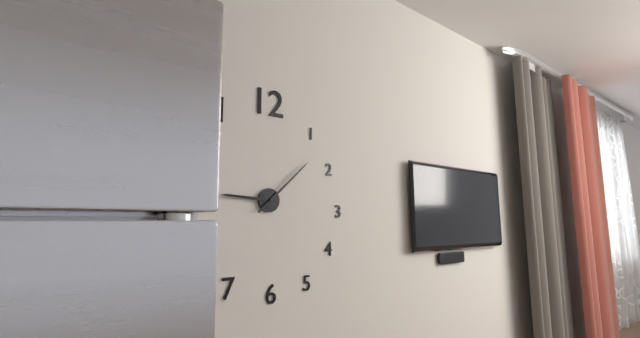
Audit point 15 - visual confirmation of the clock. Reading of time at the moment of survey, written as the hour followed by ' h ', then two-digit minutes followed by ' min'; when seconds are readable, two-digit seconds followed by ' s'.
9 h 08 min
